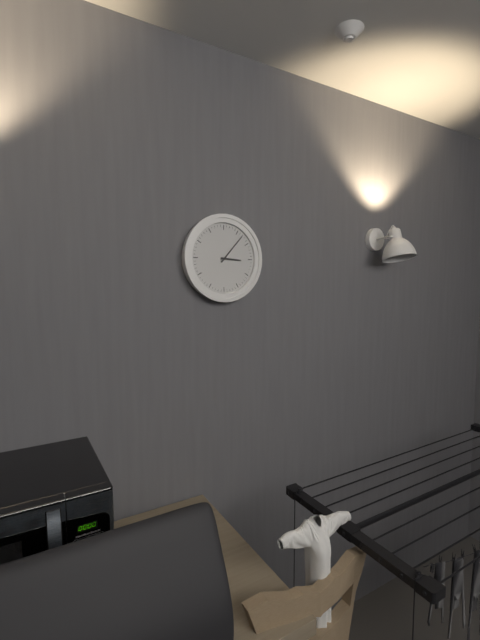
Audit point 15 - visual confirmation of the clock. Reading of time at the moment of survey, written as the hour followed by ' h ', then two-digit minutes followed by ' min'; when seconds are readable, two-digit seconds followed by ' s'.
3 h 07 min
